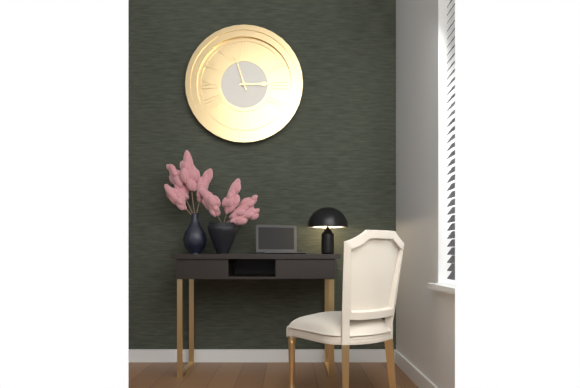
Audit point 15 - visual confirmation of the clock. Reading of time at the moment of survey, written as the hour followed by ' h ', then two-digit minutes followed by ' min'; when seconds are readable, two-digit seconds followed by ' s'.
2 h 57 min
